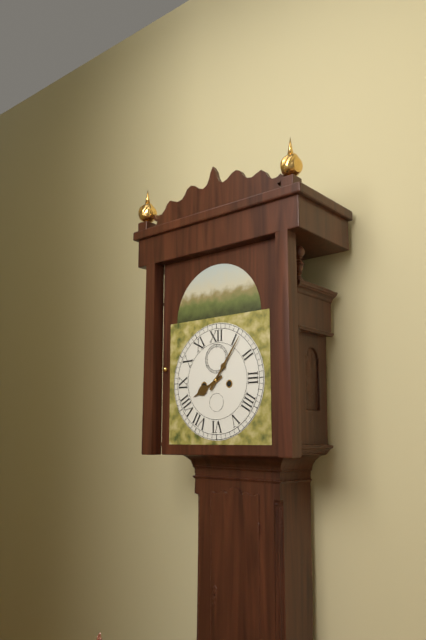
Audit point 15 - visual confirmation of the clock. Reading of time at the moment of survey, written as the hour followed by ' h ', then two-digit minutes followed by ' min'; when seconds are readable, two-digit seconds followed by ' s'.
8 h 06 min
